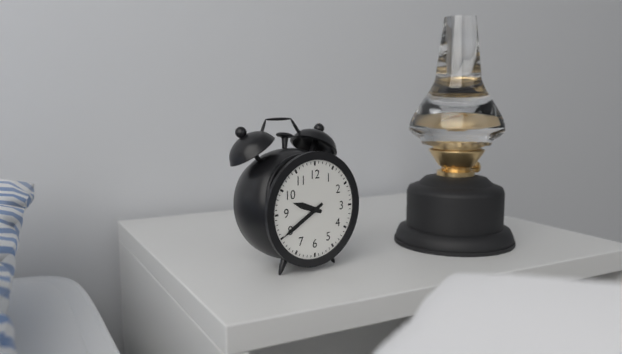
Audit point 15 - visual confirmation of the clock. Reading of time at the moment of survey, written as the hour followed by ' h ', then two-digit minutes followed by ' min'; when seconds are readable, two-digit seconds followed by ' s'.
9 h 40 min
